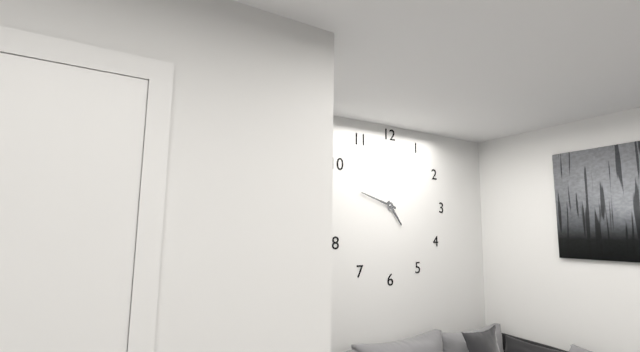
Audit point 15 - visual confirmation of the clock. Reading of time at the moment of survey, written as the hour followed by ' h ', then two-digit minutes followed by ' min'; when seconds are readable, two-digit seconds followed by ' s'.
4 h 48 min
